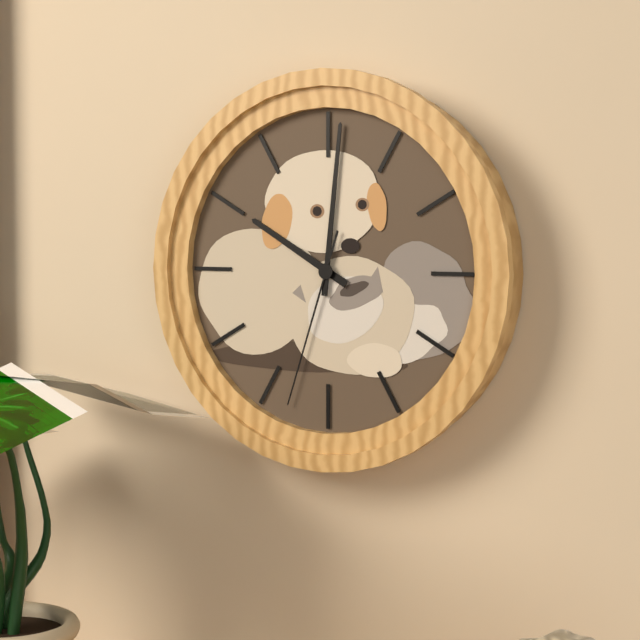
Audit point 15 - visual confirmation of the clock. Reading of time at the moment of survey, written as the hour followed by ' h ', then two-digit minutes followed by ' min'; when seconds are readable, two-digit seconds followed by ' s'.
10 h 01 min 33 s
